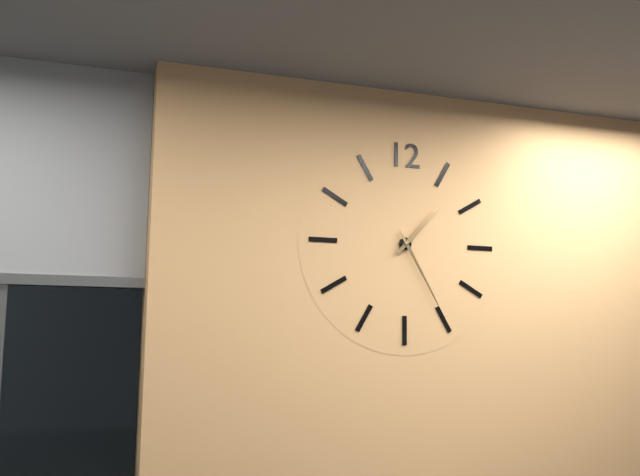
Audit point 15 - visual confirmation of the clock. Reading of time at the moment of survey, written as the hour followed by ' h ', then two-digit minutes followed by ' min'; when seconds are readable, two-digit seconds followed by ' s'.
1 h 25 min
